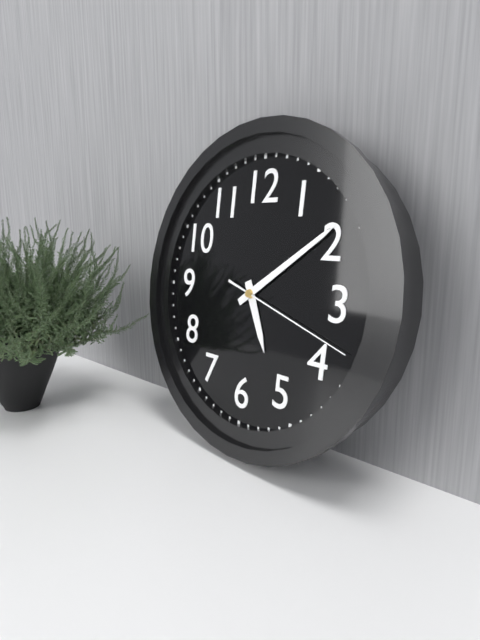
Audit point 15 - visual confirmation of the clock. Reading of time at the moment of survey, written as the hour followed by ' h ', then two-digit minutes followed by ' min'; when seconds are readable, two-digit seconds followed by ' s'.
5 h 09 min 18 s
